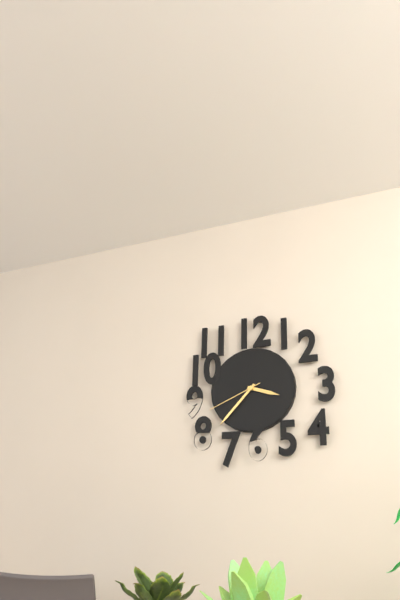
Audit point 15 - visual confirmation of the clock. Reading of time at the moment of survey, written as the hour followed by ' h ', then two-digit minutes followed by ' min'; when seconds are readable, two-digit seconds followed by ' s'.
3 h 37 min 41 s
